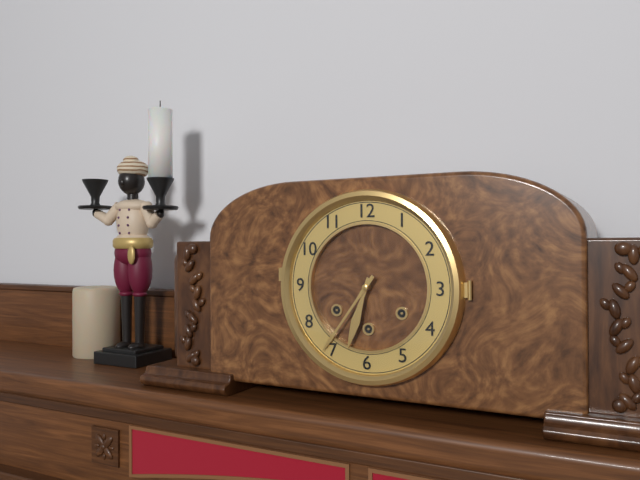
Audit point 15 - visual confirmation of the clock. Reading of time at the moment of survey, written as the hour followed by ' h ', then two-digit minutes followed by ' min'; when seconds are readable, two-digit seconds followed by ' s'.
6 h 36 min
